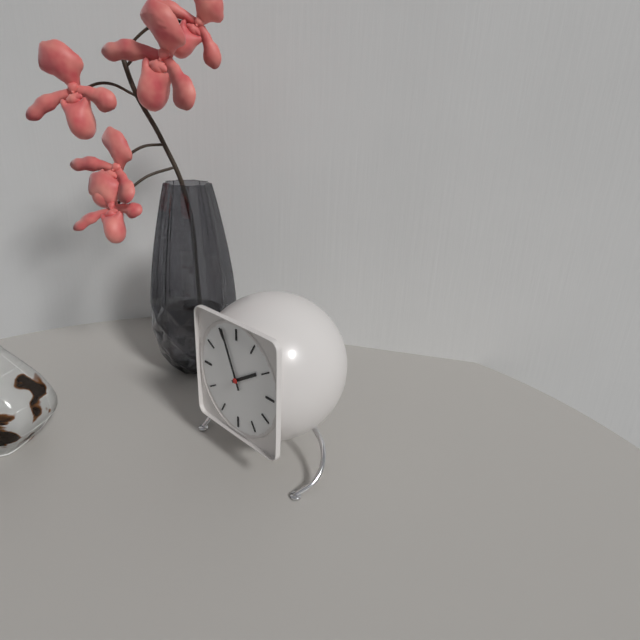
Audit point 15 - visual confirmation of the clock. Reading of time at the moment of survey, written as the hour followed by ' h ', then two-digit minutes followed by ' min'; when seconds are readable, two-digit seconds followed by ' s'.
1 h 56 min
